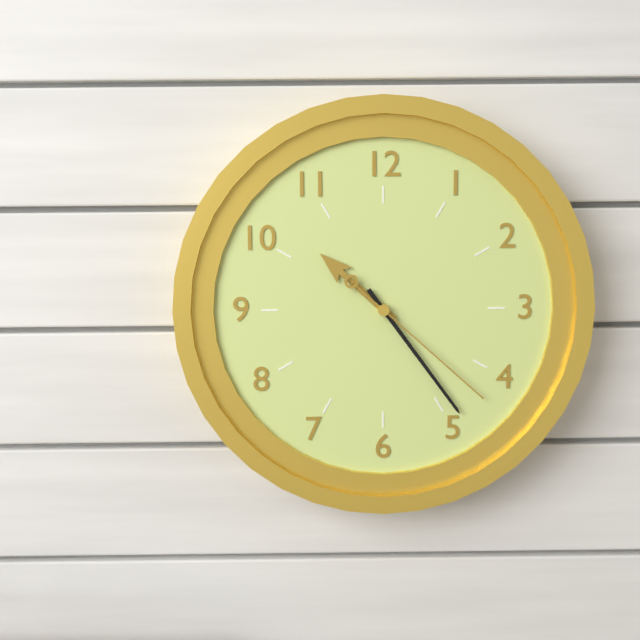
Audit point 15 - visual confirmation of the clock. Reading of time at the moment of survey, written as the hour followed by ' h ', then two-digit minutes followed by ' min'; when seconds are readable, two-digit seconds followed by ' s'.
10 h 24 min 22 s
